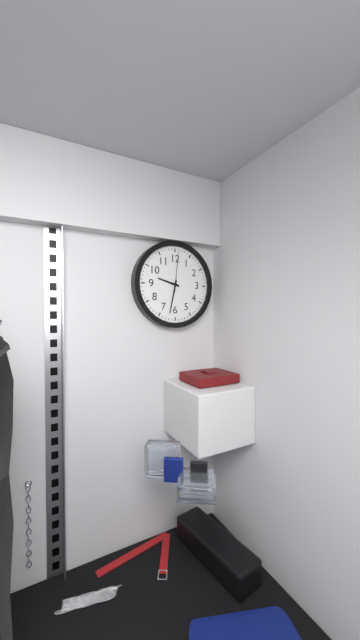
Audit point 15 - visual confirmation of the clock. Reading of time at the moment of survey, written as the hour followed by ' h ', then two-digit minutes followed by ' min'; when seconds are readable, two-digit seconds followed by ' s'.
9 h 32 min
